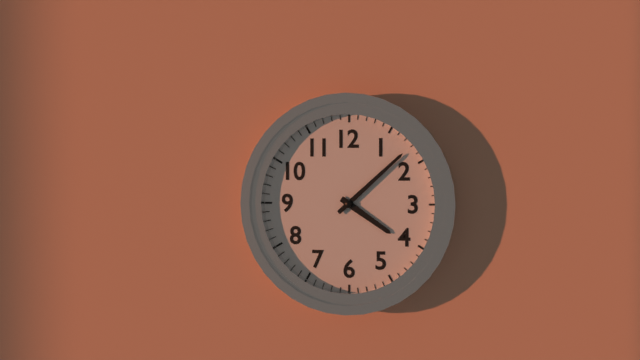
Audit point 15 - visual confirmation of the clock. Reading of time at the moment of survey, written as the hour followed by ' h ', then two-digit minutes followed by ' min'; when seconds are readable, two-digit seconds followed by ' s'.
4 h 08 min
